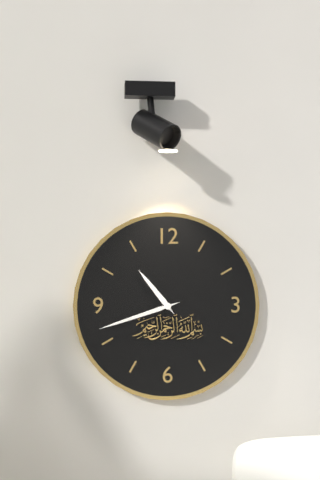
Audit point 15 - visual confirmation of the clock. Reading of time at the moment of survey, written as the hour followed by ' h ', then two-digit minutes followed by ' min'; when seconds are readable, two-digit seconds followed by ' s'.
10 h 42 min
